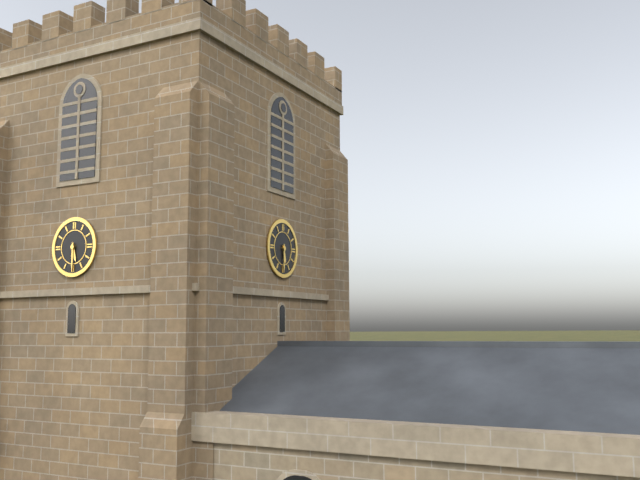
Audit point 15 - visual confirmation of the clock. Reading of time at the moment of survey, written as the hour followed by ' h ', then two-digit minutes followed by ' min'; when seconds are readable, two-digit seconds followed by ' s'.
5 h 30 min
